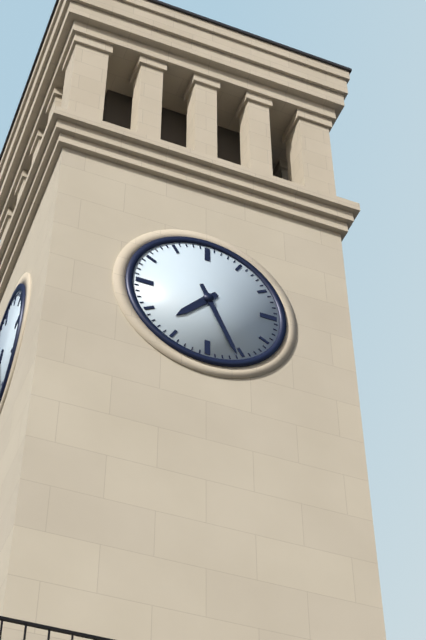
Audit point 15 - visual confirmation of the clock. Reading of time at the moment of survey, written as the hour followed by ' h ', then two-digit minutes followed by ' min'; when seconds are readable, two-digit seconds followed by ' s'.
7 h 26 min
